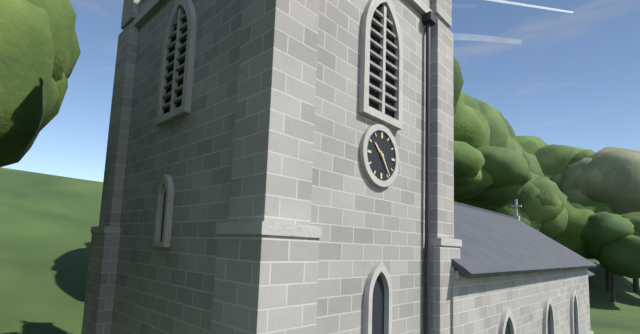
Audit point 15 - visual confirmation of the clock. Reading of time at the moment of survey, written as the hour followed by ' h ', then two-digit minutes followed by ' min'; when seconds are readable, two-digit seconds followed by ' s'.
10 h 24 min
